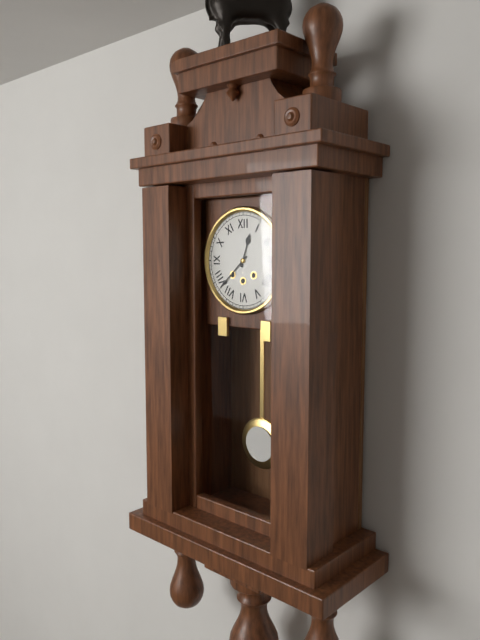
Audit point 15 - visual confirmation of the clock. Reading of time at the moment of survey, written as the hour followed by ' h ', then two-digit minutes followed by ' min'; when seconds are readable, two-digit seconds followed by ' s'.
12 h 38 min
